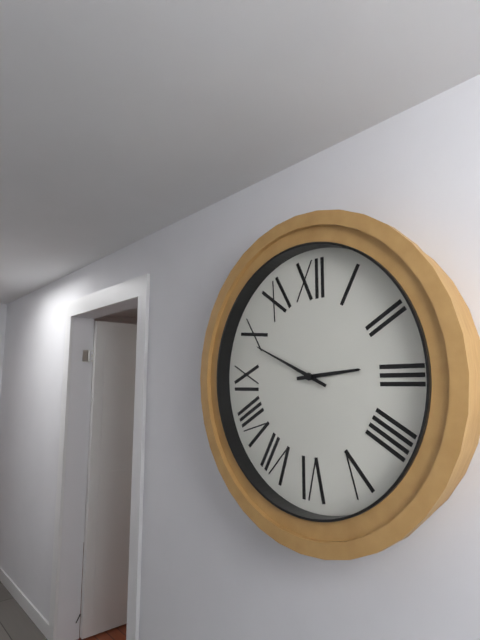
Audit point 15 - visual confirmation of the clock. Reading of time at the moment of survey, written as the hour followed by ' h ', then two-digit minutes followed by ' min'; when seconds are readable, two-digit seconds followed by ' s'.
2 h 49 min
